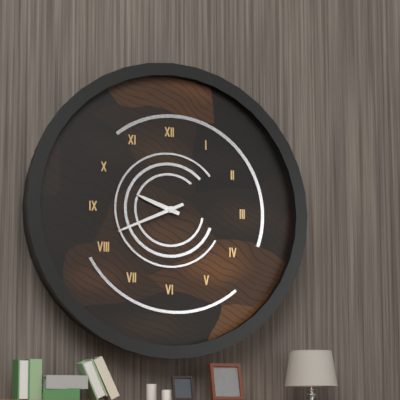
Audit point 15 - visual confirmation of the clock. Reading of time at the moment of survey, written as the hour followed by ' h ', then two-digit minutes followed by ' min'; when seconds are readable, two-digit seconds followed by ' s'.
9 h 41 min
